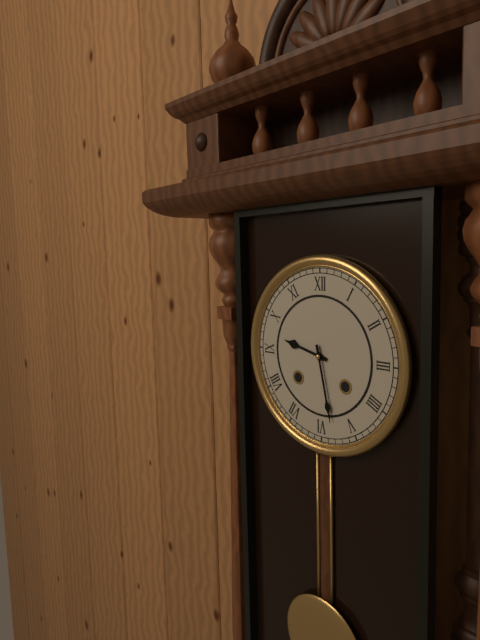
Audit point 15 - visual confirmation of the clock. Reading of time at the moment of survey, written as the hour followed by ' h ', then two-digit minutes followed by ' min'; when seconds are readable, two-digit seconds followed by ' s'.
9 h 28 min
